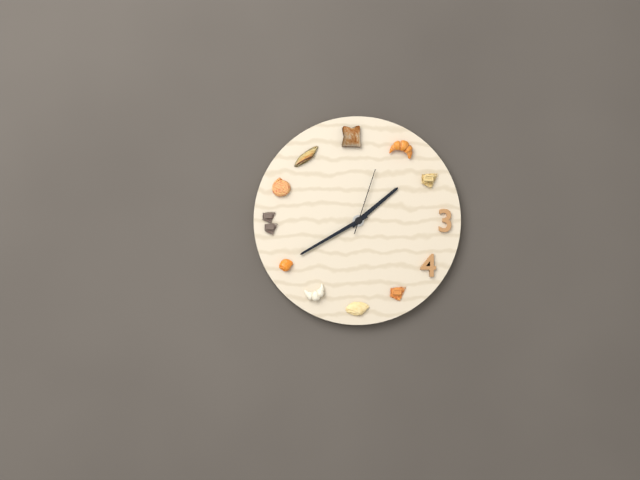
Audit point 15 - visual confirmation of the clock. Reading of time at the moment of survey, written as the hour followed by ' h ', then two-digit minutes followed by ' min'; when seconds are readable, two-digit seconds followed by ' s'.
1 h 40 min 03 s
